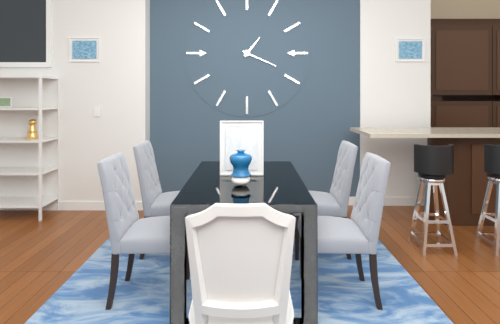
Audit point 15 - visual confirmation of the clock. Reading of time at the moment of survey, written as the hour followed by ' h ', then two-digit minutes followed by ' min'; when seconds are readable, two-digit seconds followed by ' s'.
1 h 19 min
